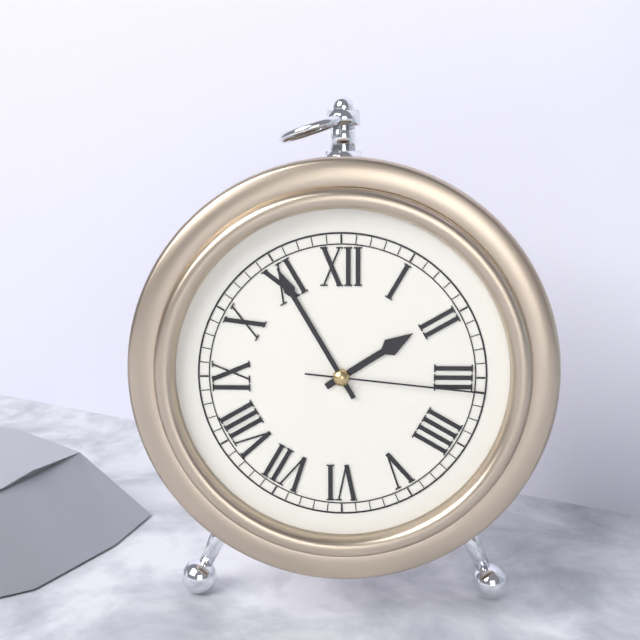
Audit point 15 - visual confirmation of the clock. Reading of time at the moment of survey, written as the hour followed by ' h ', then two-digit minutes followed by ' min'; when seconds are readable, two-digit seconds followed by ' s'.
1 h 55 min 16 s
